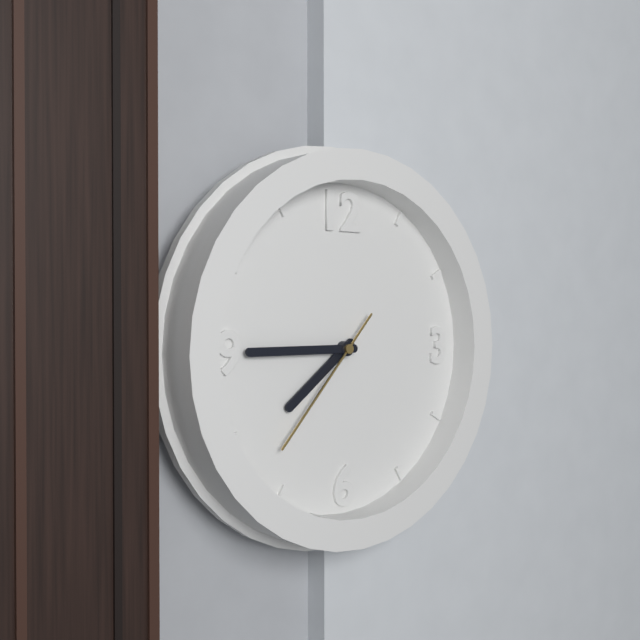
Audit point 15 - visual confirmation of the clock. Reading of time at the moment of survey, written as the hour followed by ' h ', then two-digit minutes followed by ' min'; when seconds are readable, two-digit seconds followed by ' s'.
7 h 45 min 37 s
